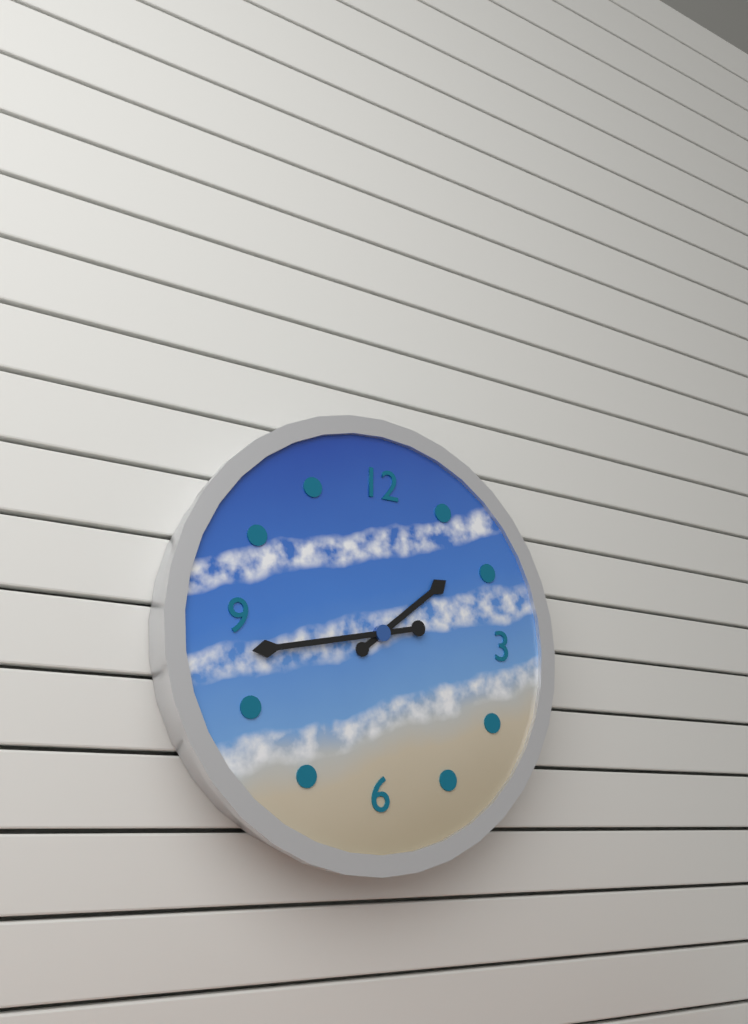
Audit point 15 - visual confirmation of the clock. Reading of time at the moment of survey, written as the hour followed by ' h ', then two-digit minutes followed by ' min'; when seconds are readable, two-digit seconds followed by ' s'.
1 h 43 min
